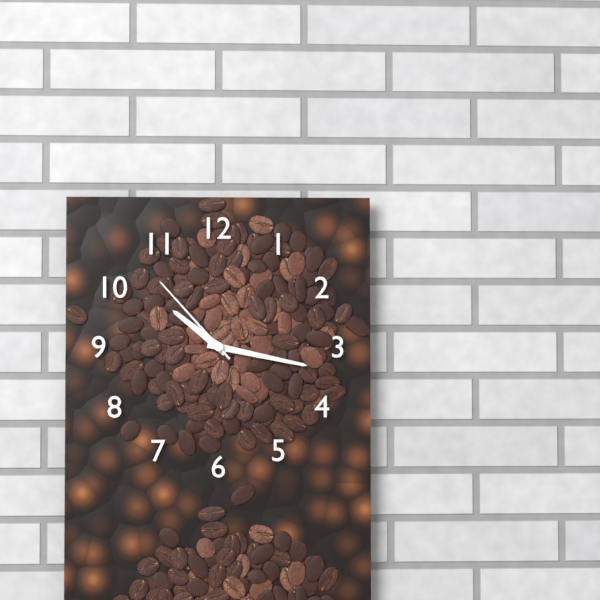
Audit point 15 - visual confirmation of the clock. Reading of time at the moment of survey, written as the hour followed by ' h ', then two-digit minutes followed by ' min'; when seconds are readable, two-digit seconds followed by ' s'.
10 h 17 min 53 s
